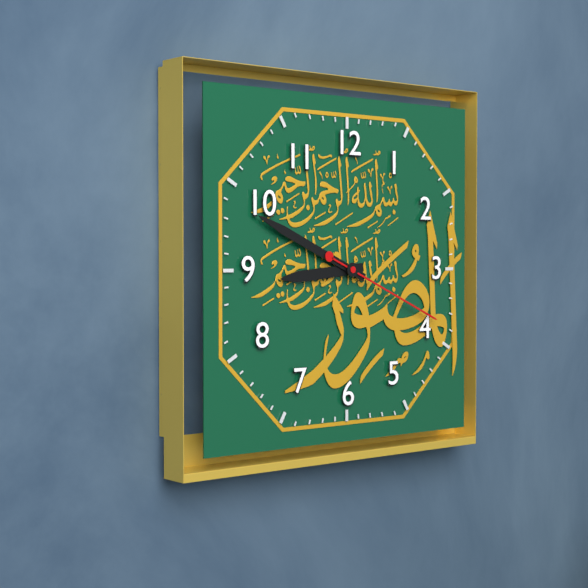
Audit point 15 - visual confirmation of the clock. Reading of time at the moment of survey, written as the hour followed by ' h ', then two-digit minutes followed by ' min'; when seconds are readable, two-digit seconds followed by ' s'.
8 h 49 min 19 s
